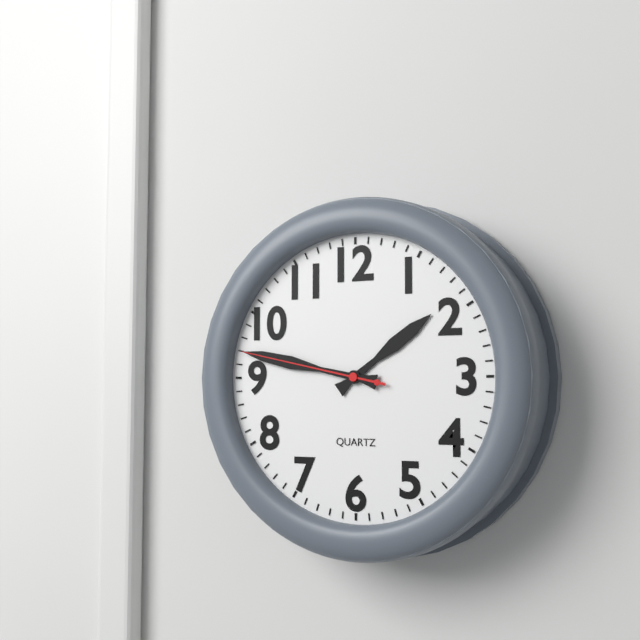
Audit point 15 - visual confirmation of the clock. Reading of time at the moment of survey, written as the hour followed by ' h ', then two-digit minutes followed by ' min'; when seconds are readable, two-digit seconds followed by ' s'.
1 h 47 min 47 s
